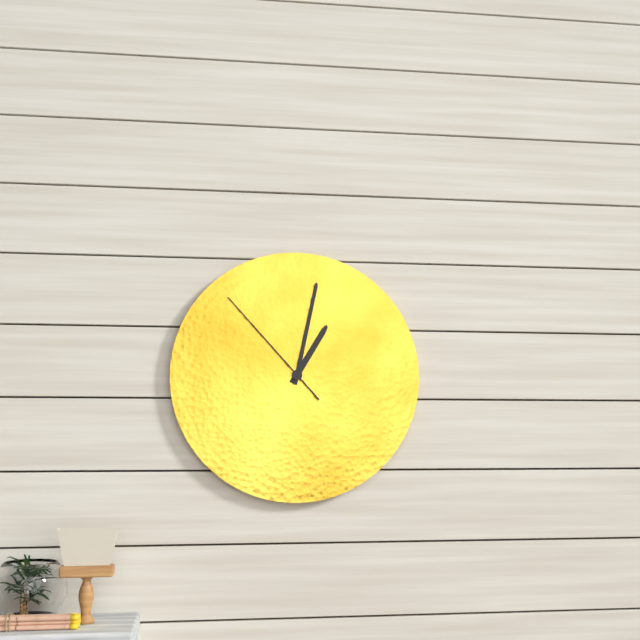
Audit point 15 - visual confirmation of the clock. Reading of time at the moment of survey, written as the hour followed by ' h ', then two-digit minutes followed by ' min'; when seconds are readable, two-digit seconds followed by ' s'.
1 h 02 min 53 s
